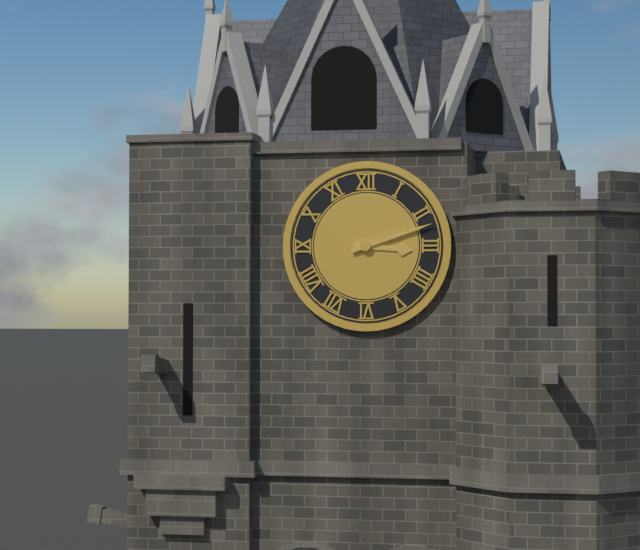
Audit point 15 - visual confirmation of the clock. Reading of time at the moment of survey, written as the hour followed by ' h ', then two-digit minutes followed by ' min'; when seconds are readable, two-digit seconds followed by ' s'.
3 h 12 min
